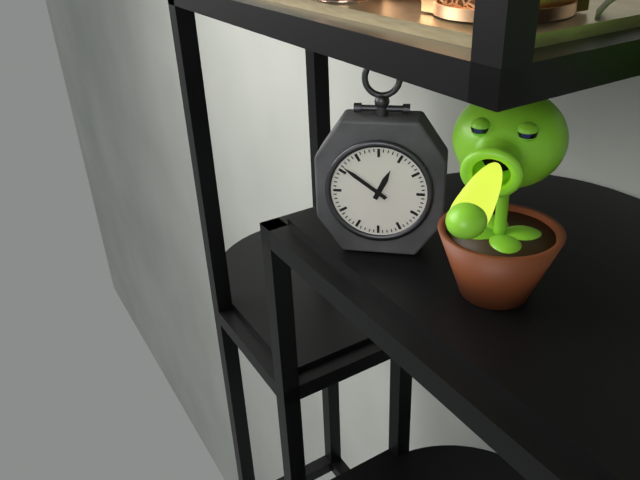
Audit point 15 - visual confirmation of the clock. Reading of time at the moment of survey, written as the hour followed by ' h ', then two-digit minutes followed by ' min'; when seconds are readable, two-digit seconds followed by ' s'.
12 h 51 min
